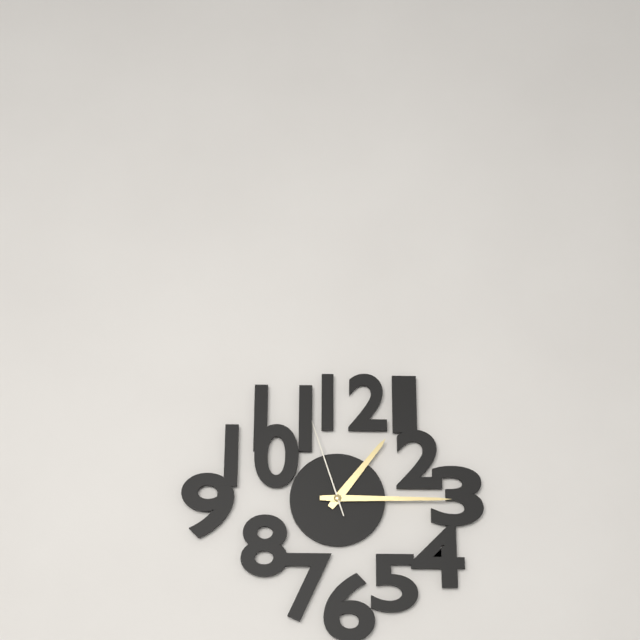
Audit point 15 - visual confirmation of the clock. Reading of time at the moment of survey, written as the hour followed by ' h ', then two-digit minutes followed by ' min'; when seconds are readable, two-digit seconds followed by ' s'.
1 h 15 min 57 s
